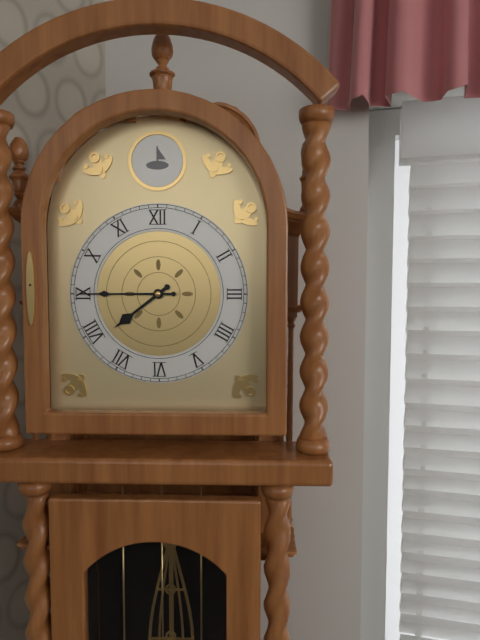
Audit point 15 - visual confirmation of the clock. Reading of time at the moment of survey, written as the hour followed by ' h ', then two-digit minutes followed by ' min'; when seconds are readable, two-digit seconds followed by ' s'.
7 h 45 min
